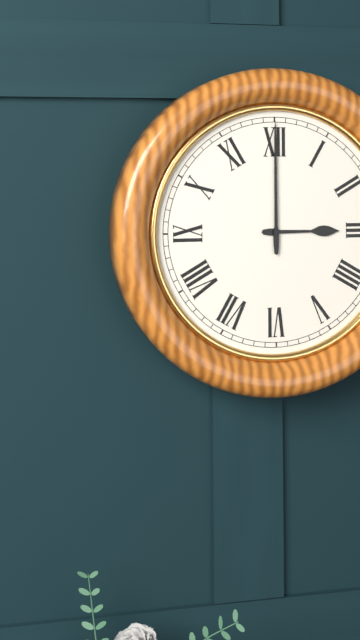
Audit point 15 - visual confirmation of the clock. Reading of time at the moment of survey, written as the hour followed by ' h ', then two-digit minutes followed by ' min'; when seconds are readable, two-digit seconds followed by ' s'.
3 h 00 min
